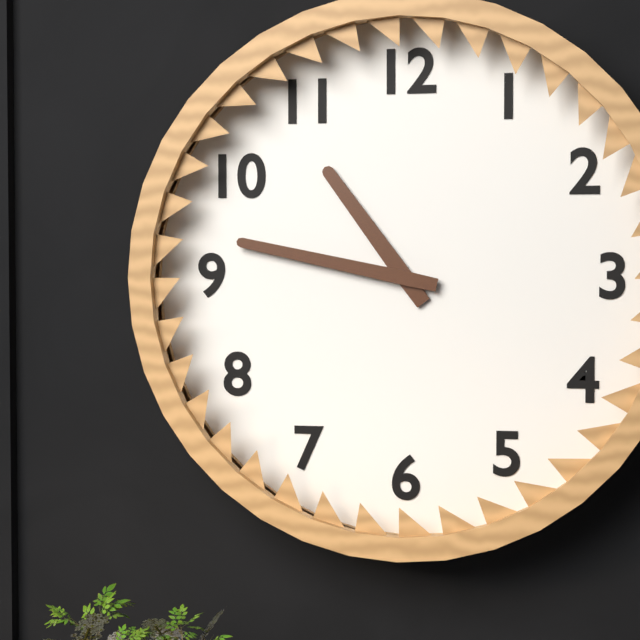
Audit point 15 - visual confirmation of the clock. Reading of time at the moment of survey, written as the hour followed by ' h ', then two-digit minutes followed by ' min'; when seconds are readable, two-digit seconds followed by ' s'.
10 h 47 min
